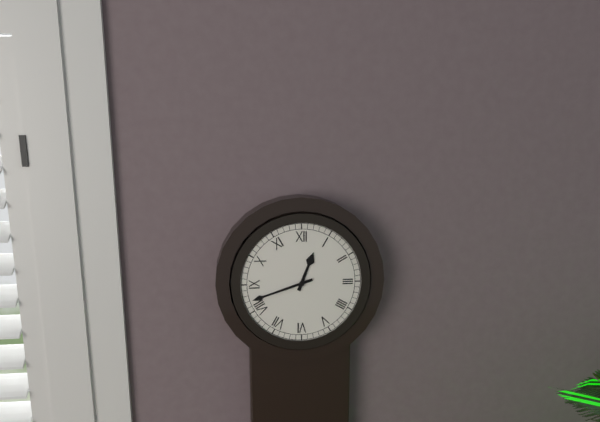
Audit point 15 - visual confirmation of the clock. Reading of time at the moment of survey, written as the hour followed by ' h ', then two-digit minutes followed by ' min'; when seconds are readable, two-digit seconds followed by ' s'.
12 h 42 min
